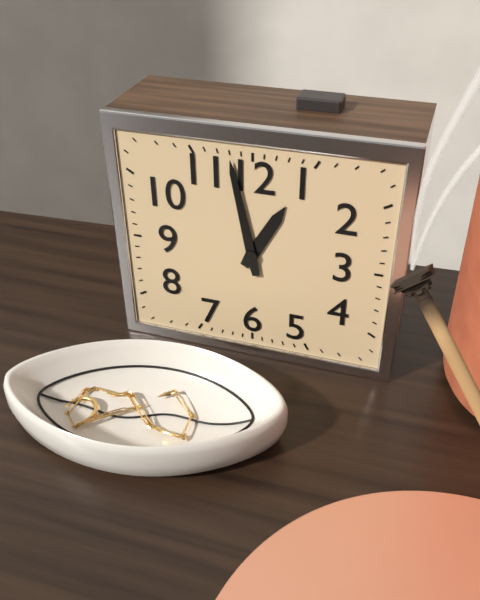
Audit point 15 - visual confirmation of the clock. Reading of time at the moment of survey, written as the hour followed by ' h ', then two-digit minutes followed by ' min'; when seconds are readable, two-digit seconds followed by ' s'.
12 h 58 min
